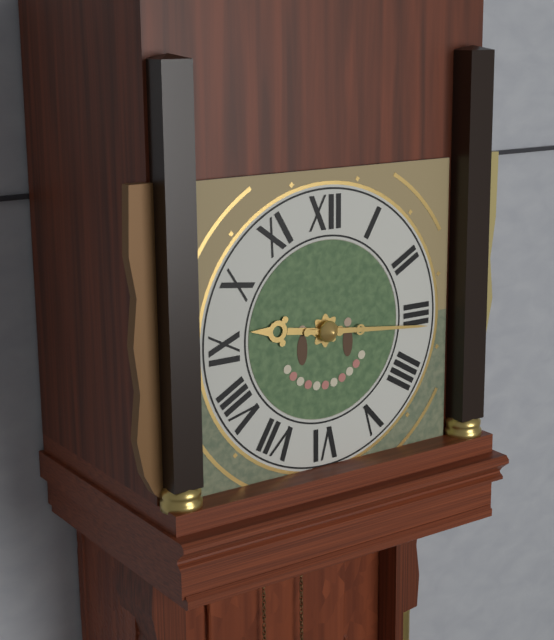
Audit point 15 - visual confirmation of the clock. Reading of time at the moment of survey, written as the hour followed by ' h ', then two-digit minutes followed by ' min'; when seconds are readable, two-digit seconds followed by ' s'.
9 h 16 min
